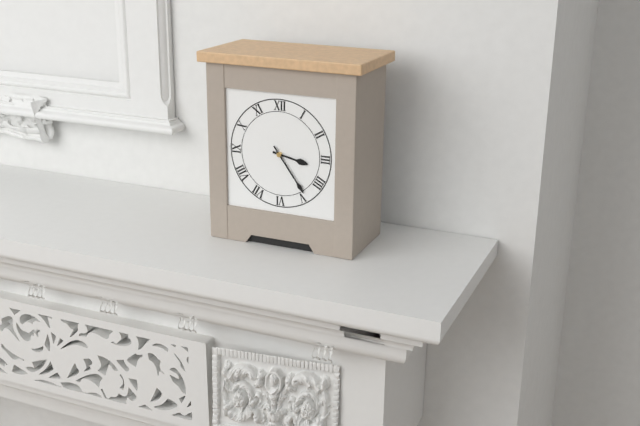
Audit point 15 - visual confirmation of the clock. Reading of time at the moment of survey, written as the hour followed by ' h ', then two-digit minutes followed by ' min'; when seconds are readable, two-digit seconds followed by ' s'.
3 h 24 min
